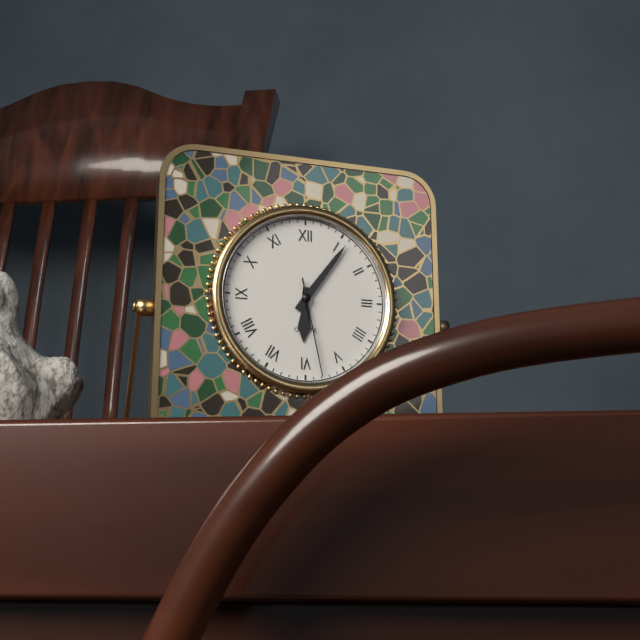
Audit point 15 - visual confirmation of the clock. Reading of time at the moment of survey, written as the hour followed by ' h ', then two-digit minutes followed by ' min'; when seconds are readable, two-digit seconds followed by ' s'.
6 h 06 min 28 s
